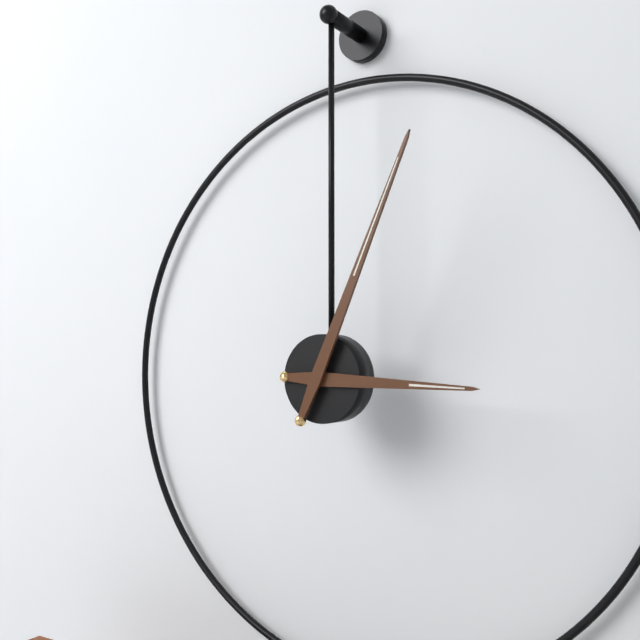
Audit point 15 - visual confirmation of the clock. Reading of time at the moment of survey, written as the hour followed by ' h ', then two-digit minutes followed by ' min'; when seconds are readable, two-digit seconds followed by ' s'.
3 h 04 min
